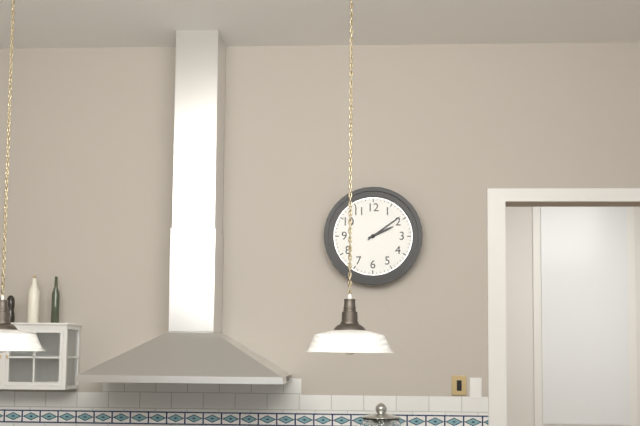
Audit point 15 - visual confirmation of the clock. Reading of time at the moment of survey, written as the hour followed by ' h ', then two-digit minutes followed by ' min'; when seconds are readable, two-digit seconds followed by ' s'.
2 h 09 min
